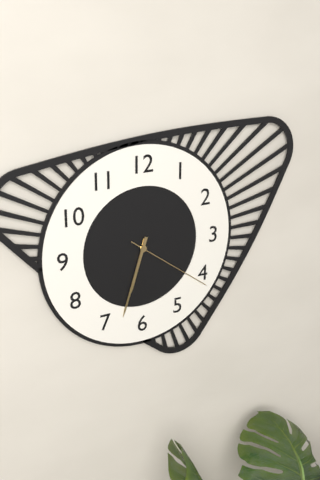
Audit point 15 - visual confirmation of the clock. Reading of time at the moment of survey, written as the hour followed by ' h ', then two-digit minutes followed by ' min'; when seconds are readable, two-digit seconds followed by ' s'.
6 h 33 min 21 s
